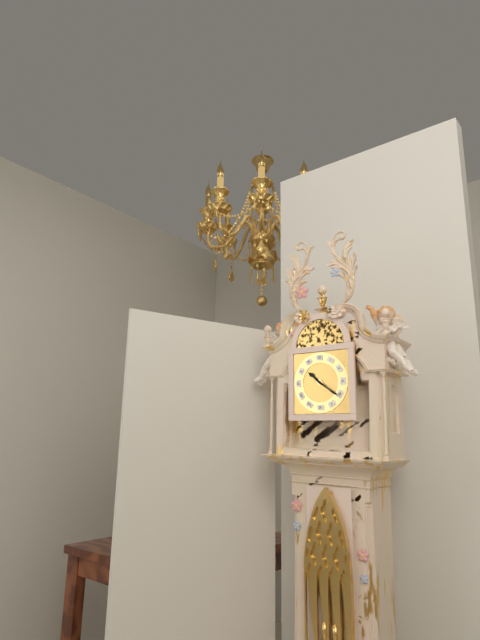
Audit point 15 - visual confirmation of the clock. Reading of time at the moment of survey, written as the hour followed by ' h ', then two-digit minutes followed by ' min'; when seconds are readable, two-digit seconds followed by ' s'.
10 h 21 min
